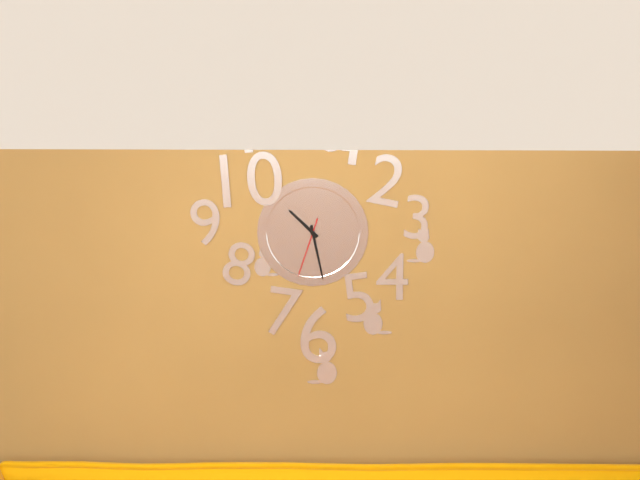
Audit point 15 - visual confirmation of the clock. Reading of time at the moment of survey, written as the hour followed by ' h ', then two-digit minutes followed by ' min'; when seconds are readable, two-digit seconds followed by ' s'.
10 h 28 min 33 s
